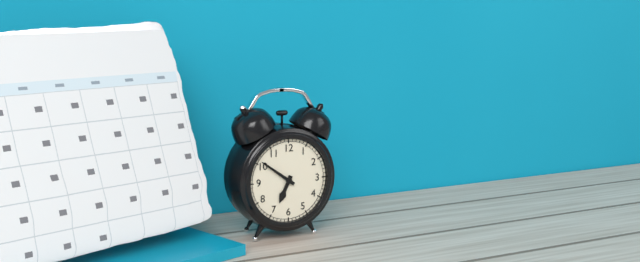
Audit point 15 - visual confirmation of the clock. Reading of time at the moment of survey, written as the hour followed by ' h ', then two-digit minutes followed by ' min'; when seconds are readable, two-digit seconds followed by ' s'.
6 h 51 min
